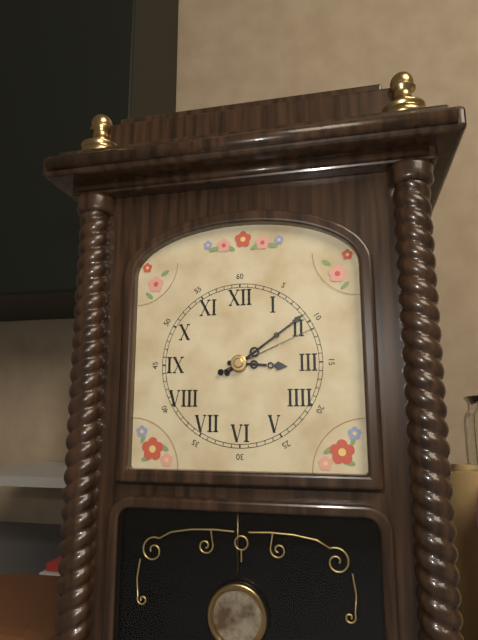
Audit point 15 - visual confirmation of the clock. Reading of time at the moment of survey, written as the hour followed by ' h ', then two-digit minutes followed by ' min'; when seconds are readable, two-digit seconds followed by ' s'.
3 h 09 min 11 s
